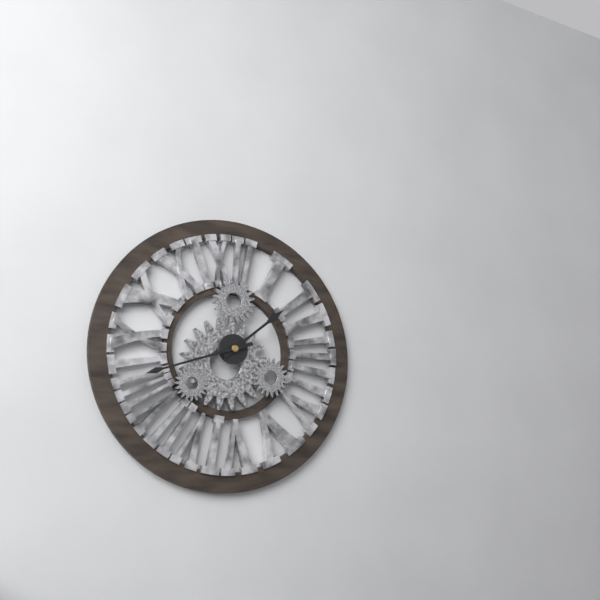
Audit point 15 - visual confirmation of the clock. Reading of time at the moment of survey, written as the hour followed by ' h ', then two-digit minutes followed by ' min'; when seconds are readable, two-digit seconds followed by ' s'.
1 h 42 min
